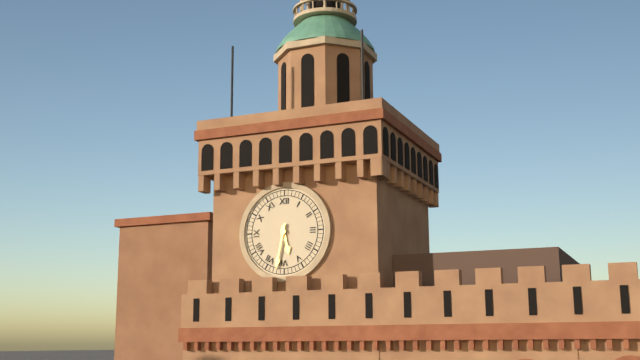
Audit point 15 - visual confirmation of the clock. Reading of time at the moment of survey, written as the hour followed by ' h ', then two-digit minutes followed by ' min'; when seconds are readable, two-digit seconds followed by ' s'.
5 h 32 min
